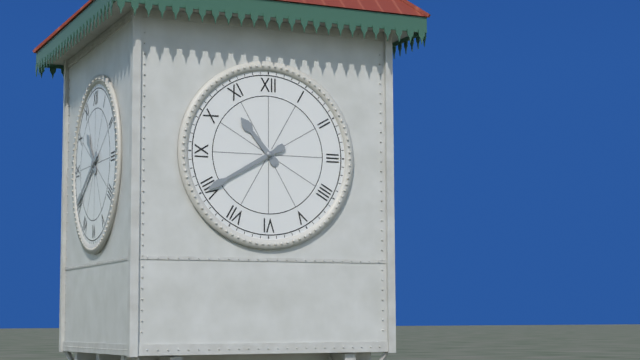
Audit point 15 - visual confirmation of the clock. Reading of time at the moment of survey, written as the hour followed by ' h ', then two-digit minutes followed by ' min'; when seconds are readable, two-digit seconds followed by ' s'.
10 h 40 min
